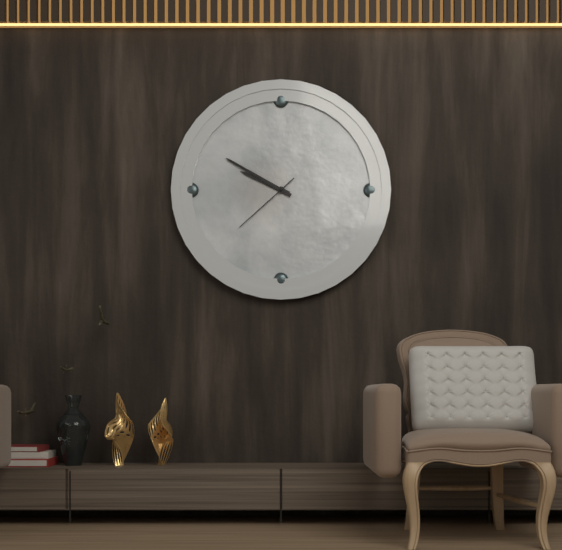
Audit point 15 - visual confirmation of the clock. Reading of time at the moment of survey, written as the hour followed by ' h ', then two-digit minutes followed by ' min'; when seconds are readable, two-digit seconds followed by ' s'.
9 h 50 min 38 s
